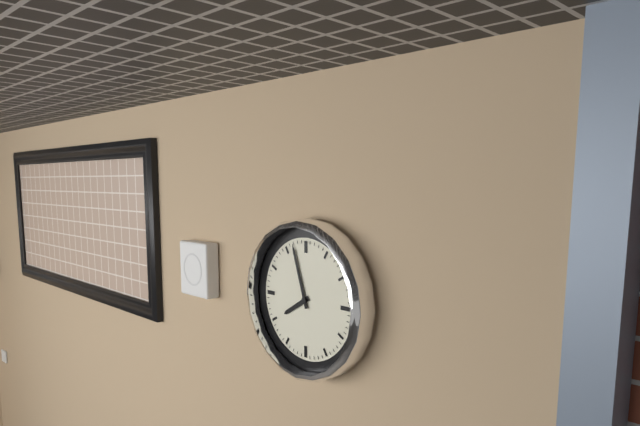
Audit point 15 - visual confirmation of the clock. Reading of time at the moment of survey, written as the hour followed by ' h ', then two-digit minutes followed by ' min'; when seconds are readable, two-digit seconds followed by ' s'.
7 h 57 min
